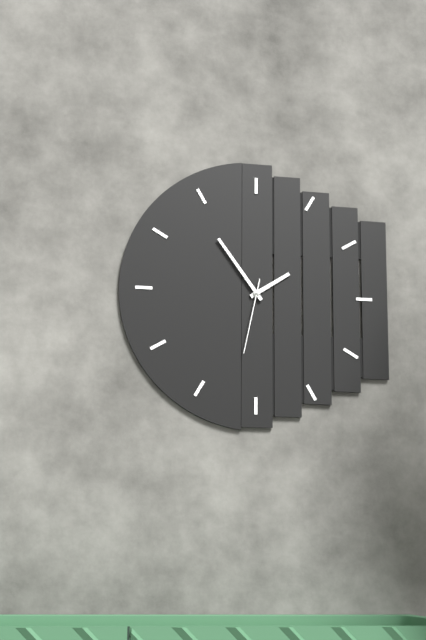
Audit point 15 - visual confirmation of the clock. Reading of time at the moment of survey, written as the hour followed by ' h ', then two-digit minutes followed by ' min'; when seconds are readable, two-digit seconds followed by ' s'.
1 h 54 min 32 s
